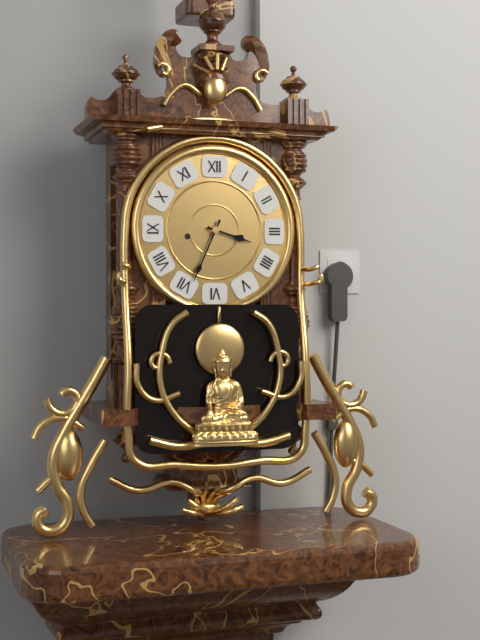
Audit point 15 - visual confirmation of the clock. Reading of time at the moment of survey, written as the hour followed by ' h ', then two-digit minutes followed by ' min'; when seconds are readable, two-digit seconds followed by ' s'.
3 h 34 min
